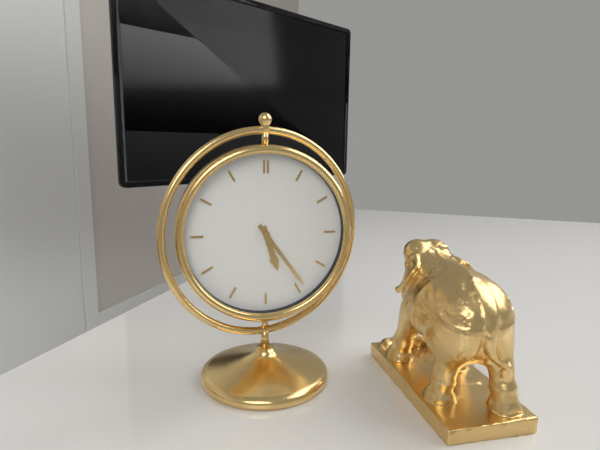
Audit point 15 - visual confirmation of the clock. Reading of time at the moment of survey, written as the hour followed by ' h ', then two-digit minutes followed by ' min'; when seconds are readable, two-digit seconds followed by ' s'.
5 h 24 min
